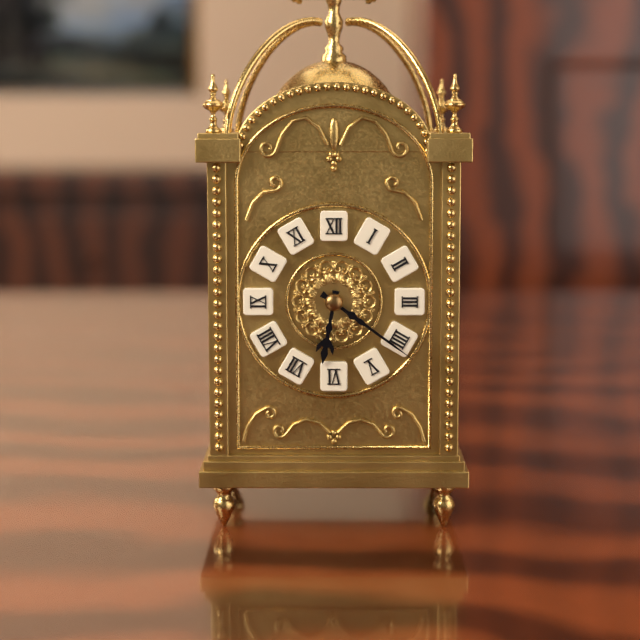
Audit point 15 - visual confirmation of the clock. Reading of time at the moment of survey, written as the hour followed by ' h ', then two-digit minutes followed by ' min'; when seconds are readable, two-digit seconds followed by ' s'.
6 h 21 min
